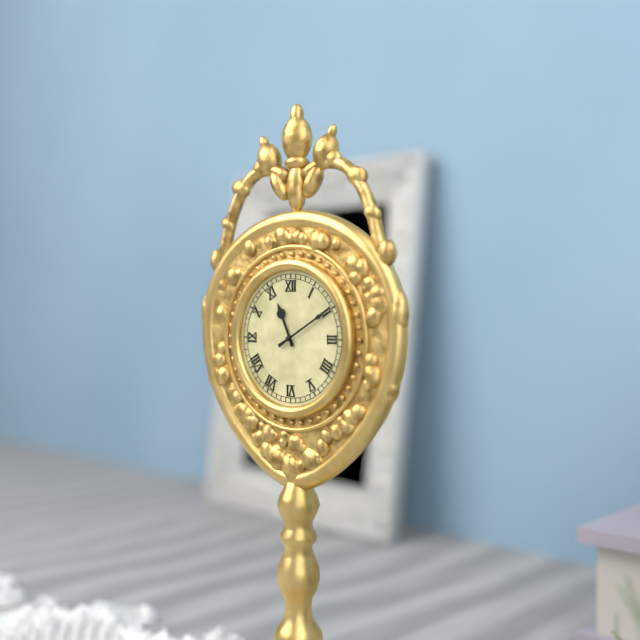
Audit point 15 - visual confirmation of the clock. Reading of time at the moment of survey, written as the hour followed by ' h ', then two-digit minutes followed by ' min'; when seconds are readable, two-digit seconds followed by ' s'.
11 h 10 min
